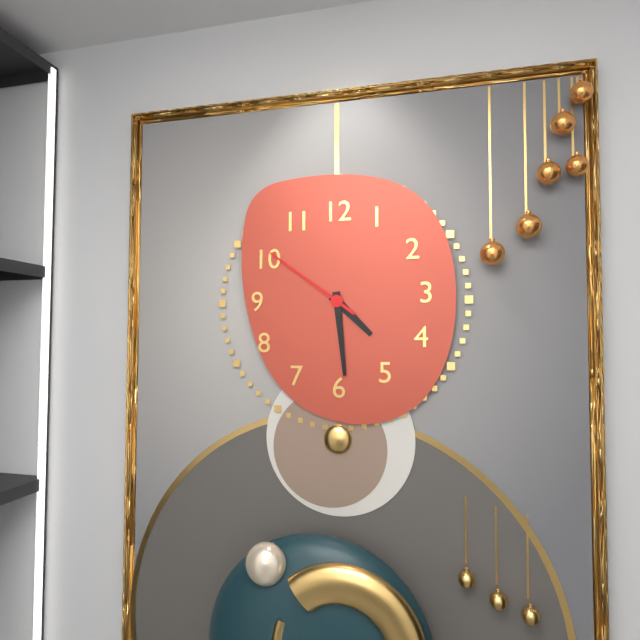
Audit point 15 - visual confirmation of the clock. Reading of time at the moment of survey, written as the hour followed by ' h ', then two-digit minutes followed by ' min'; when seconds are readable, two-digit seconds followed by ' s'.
4 h 29 min 51 s
